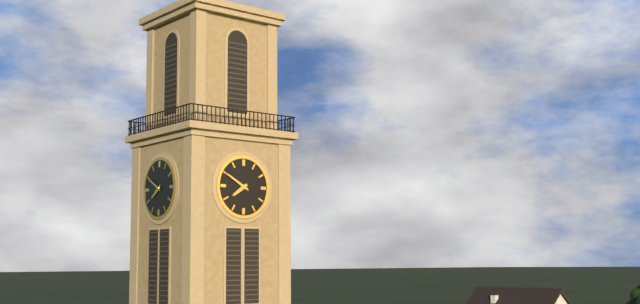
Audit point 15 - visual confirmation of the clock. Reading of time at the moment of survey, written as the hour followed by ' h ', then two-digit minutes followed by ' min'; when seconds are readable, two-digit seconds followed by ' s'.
7 h 50 min
